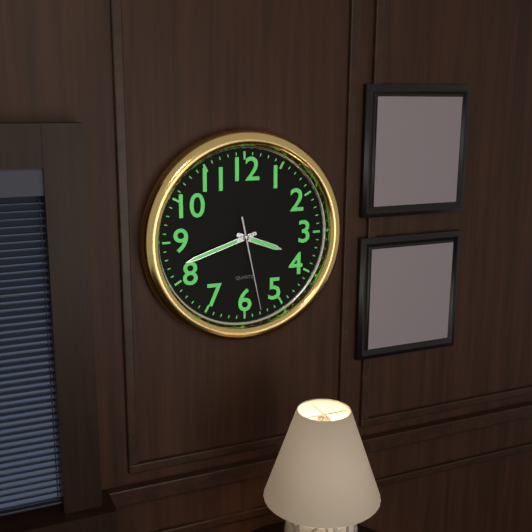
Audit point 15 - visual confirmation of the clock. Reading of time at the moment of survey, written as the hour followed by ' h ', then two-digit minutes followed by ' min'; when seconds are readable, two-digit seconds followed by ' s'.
3 h 42 min 28 s
